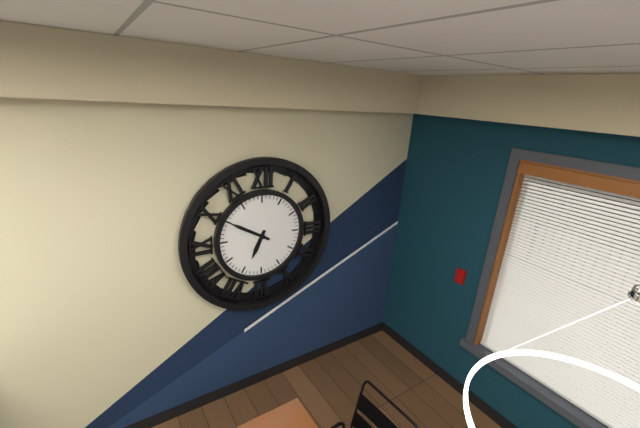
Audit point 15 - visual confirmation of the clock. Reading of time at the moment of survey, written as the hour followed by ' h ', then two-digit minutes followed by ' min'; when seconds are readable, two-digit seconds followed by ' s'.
6 h 50 min
